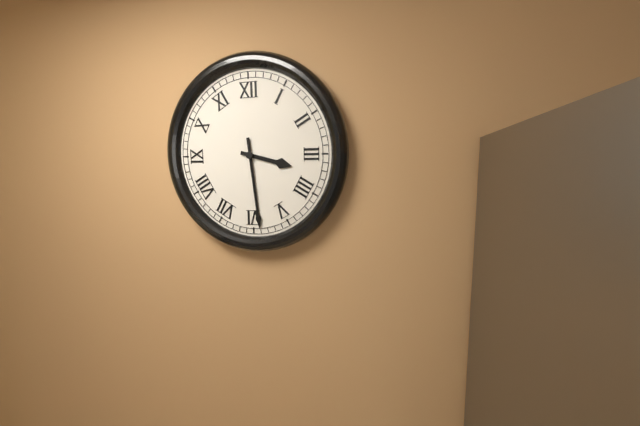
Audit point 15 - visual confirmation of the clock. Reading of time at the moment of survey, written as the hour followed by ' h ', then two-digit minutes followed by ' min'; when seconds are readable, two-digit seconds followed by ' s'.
3 h 29 min
